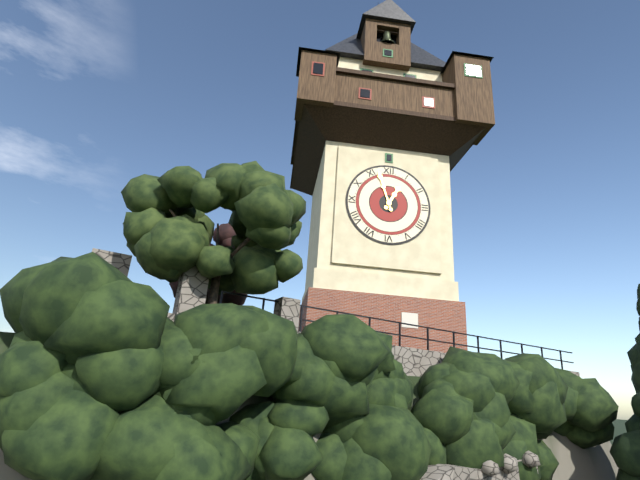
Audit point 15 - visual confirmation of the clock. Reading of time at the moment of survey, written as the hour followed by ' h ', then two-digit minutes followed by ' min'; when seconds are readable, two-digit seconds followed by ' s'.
12 h 57 min
